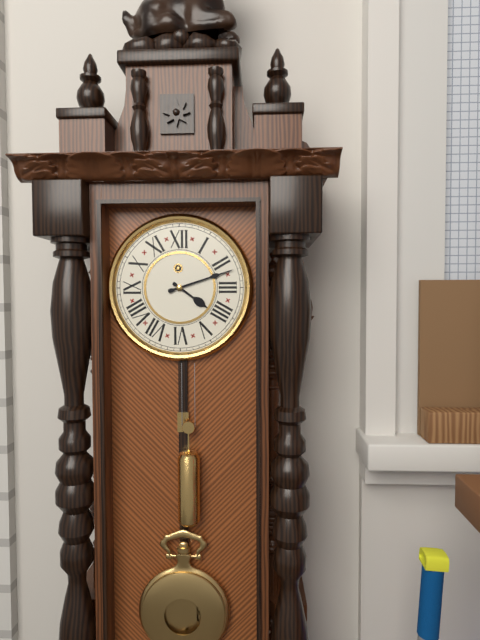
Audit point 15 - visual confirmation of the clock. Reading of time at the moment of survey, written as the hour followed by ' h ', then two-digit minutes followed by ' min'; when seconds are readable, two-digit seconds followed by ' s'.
4 h 12 min
